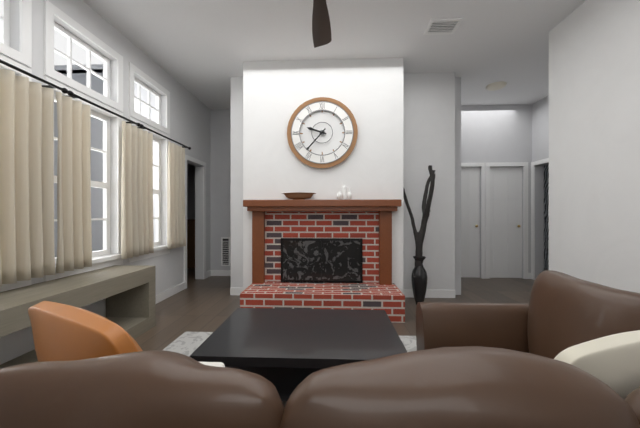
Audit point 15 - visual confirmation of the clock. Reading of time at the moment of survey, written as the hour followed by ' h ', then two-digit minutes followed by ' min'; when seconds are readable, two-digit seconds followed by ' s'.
9 h 37 min
